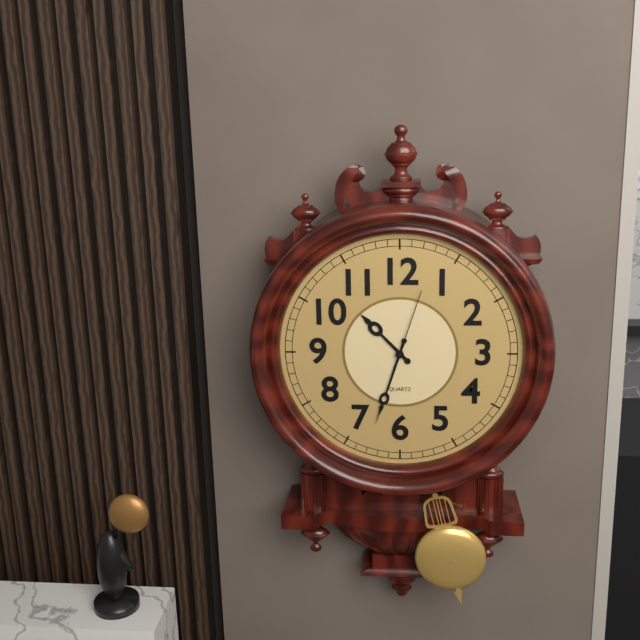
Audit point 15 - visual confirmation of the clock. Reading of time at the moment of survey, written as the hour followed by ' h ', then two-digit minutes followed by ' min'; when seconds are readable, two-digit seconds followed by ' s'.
10 h 33 min 03 s
